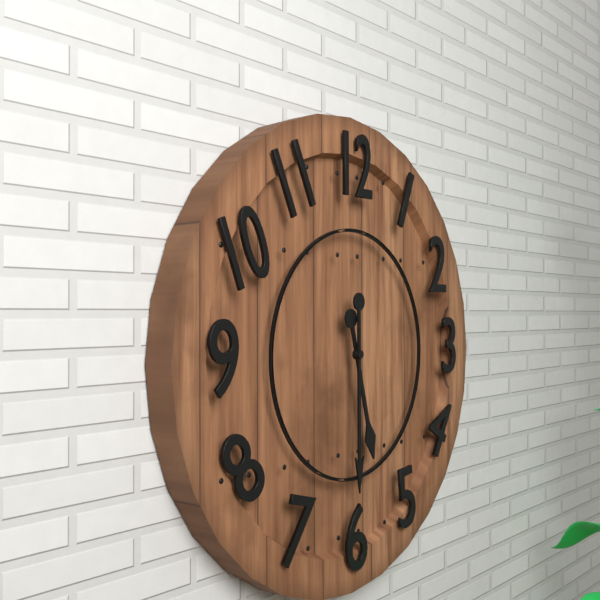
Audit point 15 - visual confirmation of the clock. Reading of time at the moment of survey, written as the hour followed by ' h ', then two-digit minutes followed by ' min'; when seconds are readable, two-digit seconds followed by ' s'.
5 h 30 min
